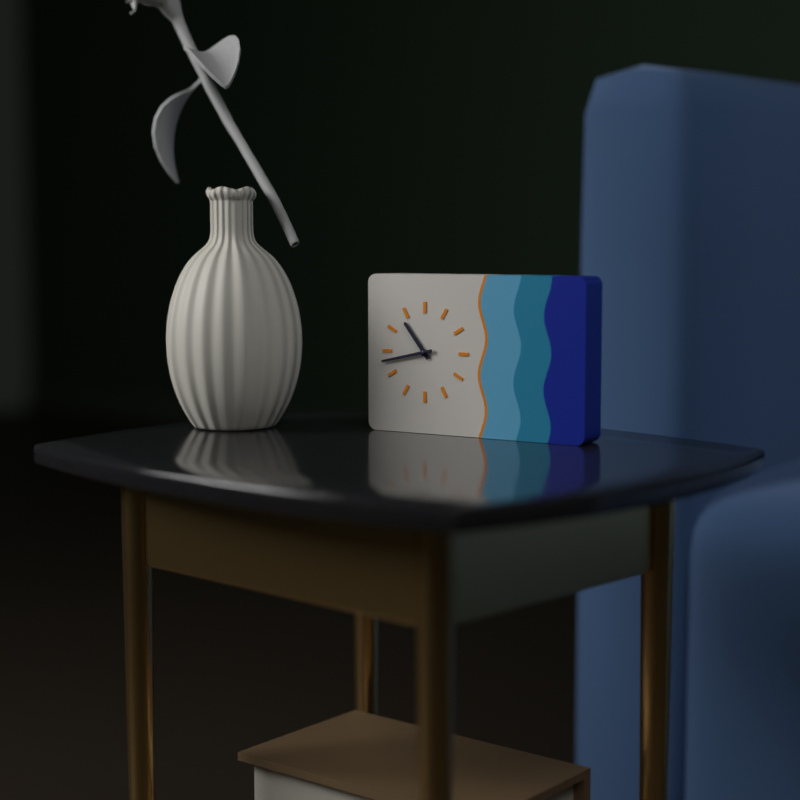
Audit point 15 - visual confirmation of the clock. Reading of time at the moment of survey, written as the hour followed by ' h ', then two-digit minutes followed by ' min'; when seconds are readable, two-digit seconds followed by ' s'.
10 h 43 min
